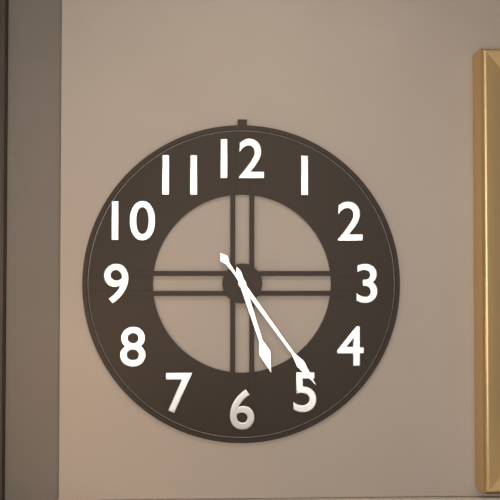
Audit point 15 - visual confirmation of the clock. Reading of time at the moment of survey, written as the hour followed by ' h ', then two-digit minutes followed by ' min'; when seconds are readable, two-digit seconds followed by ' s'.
5 h 24 min
